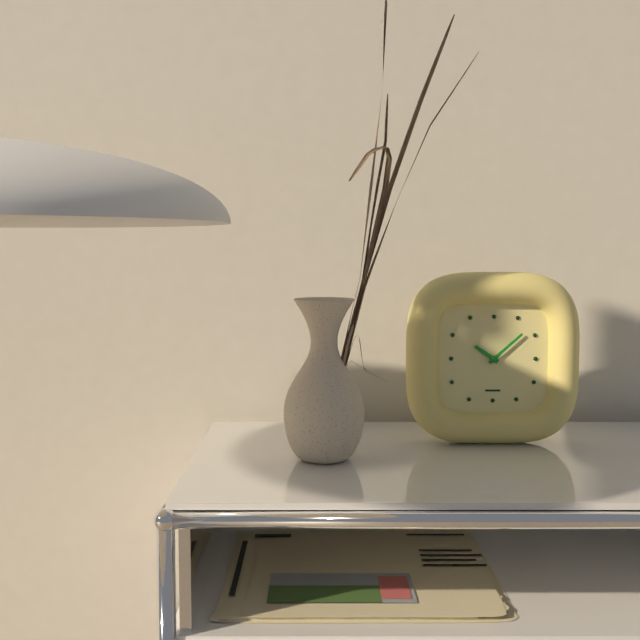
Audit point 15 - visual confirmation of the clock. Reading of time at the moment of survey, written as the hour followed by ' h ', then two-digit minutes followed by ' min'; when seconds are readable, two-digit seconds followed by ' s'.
10 h 08 min
